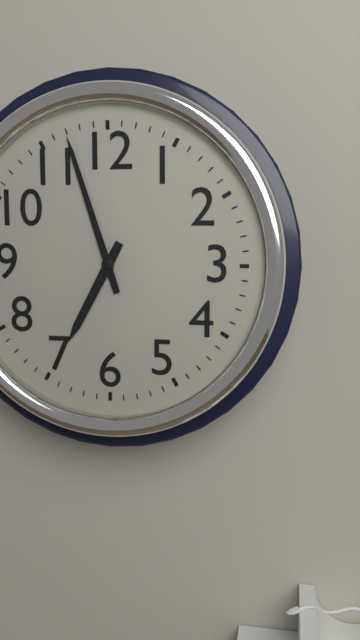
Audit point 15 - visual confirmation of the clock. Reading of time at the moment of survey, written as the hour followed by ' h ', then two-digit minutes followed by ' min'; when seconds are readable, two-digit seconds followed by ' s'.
6 h 57 min
